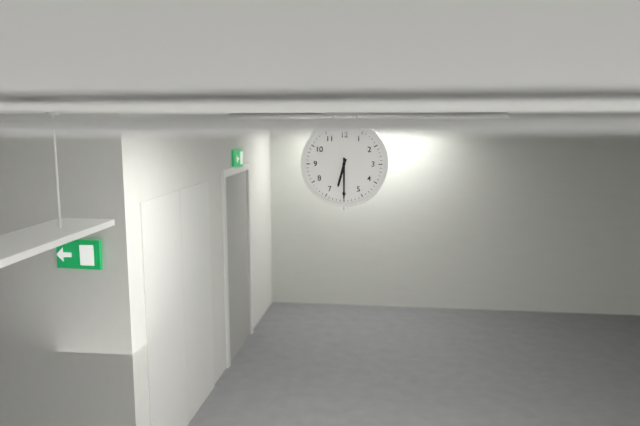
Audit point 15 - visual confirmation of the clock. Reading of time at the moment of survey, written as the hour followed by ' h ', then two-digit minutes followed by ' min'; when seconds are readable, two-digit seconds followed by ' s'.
6 h 30 min
